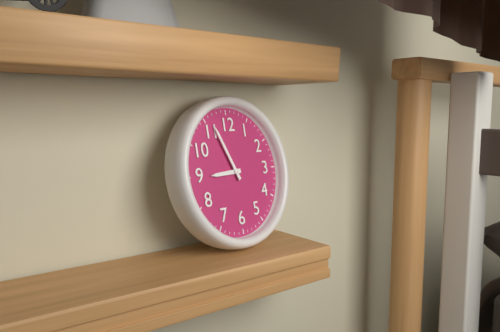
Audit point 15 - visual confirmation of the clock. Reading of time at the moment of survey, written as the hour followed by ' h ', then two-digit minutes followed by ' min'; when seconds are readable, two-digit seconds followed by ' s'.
8 h 56 min
